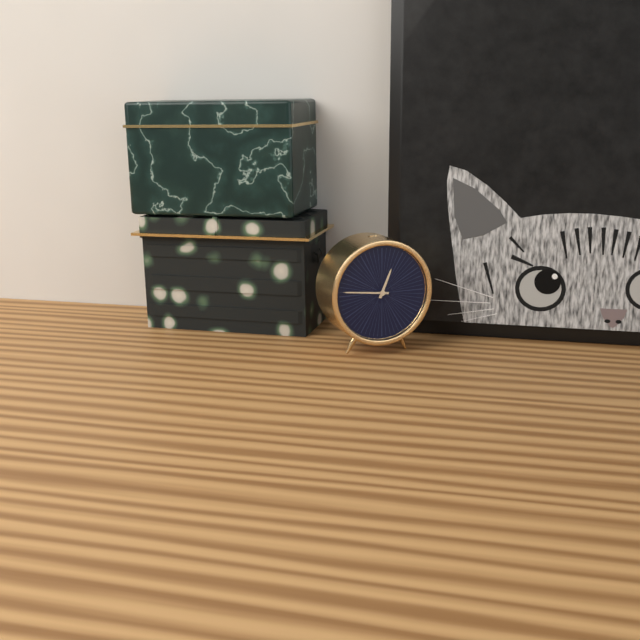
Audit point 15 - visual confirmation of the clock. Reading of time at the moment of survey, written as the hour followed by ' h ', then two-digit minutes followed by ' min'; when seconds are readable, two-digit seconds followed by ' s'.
12 h 46 min
